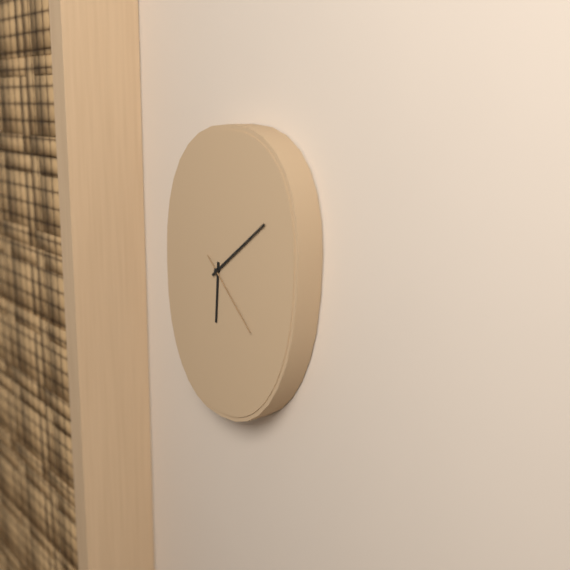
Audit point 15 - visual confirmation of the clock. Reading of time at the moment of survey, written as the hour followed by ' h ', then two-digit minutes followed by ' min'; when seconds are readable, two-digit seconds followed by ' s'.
6 h 09 min 22 s
